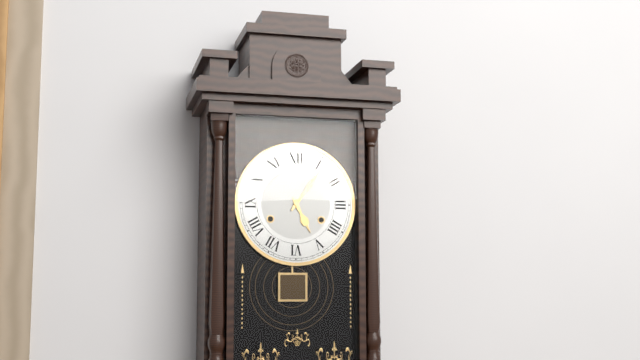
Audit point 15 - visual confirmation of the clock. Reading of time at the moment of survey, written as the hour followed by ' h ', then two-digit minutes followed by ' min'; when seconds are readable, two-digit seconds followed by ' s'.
5 h 06 min
